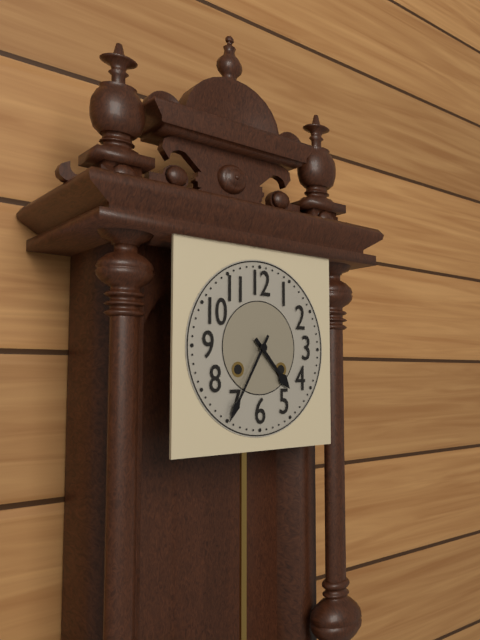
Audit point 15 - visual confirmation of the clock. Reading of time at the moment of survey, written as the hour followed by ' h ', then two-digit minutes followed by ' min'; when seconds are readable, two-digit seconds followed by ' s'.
4 h 35 min
